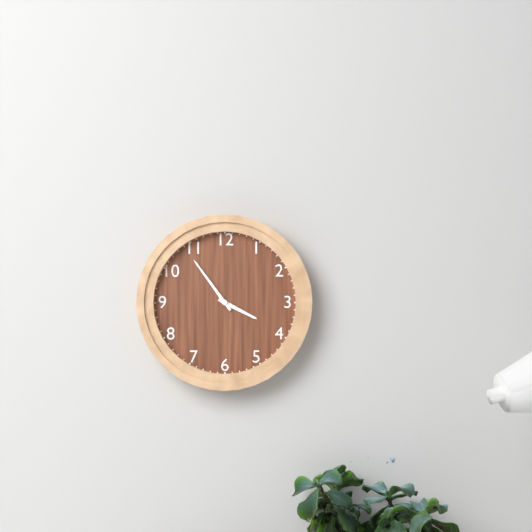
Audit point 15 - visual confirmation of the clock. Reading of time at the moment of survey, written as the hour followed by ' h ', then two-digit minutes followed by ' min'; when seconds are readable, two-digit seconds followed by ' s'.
3 h 54 min
